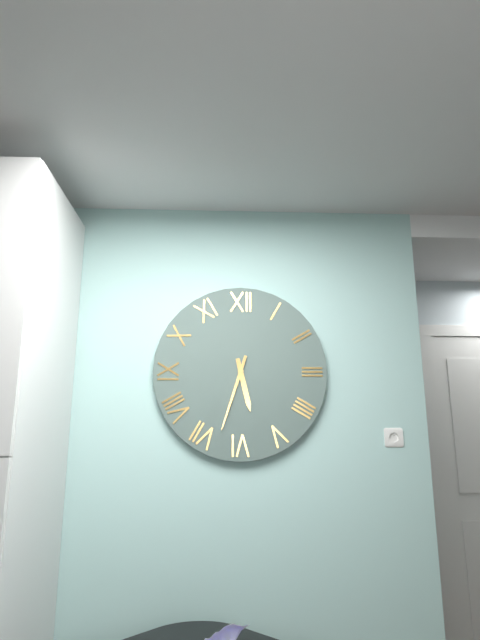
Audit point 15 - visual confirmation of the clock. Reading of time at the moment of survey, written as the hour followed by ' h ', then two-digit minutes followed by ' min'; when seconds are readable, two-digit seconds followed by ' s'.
5 h 33 min
